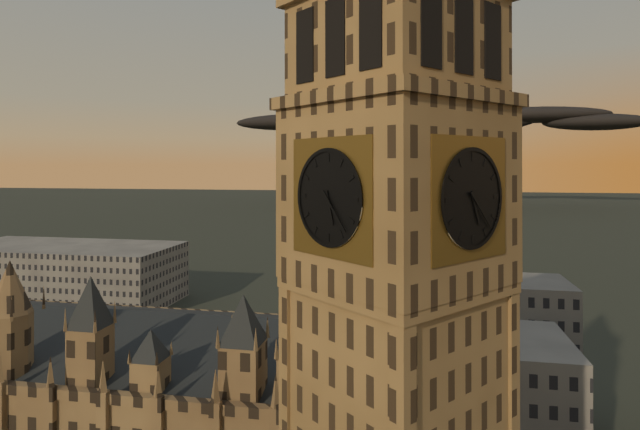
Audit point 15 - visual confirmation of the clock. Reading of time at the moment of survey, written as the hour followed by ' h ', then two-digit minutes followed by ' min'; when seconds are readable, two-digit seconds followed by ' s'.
5 h 23 min
